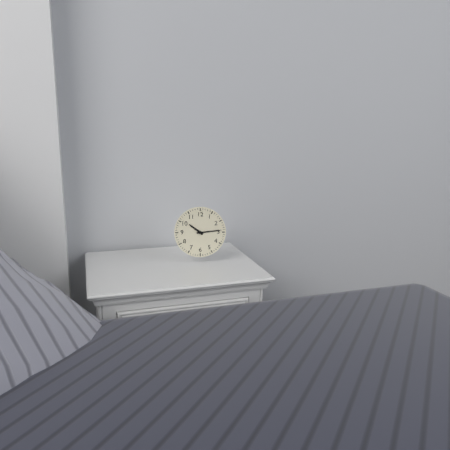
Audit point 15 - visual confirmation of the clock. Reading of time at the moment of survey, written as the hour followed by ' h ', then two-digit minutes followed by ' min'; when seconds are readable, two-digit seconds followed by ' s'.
10 h 14 min
